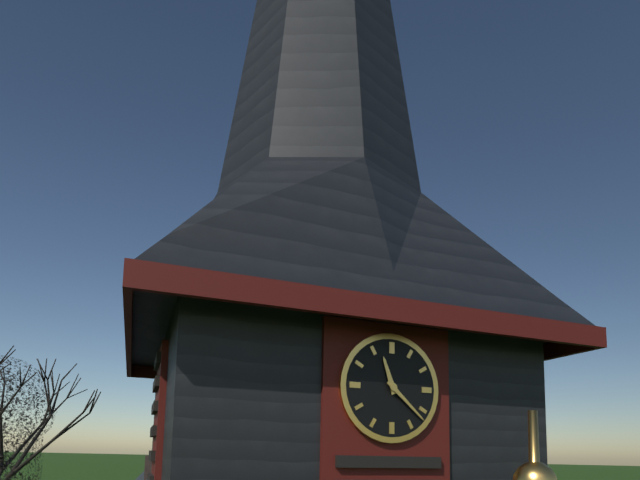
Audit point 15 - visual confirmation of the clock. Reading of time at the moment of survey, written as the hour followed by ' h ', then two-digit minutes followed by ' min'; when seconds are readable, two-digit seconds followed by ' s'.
11 h 22 min
